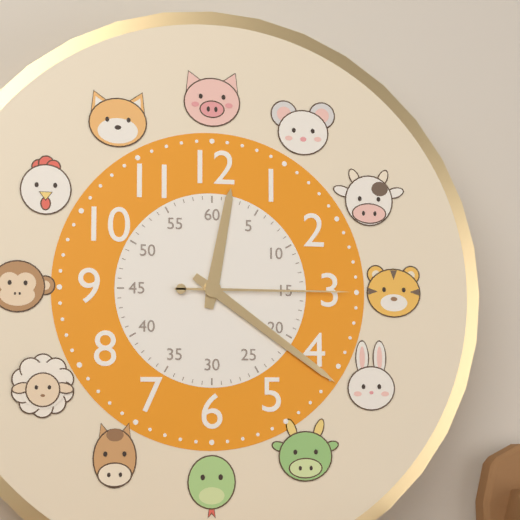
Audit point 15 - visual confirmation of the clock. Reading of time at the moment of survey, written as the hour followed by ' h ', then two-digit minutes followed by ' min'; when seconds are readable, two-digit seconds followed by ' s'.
12 h 21 min 15 s
